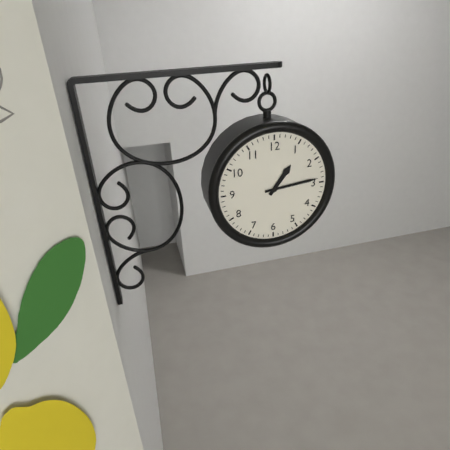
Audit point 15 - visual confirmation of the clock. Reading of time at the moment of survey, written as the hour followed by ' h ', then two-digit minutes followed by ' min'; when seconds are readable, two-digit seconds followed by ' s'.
1 h 14 min
